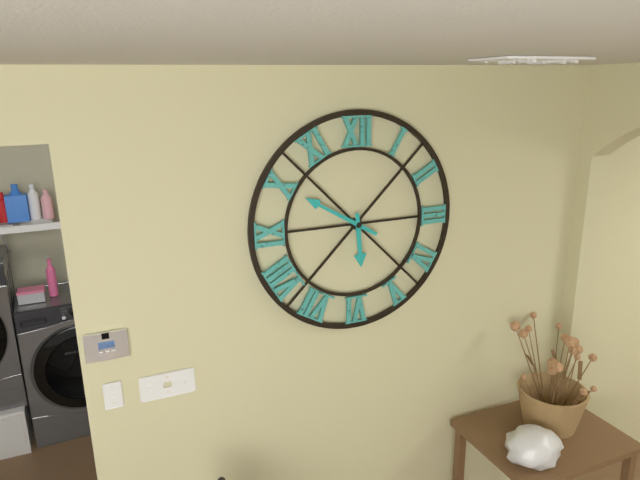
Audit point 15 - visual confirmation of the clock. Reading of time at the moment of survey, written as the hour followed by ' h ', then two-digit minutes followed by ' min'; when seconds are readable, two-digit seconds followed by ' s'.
5 h 50 min
